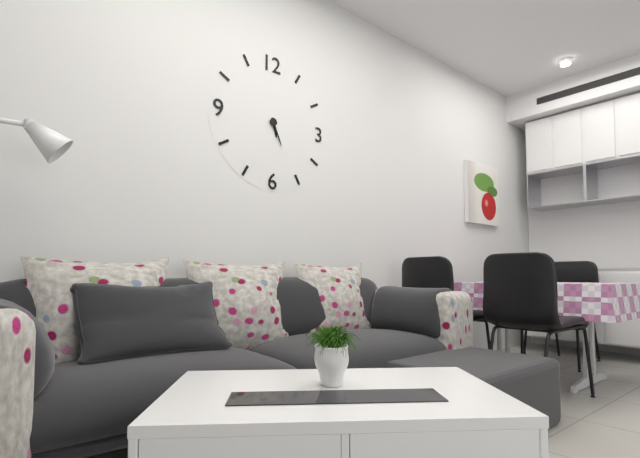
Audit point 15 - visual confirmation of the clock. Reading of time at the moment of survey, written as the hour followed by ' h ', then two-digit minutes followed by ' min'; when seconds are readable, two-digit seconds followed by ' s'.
5 h 26 min
